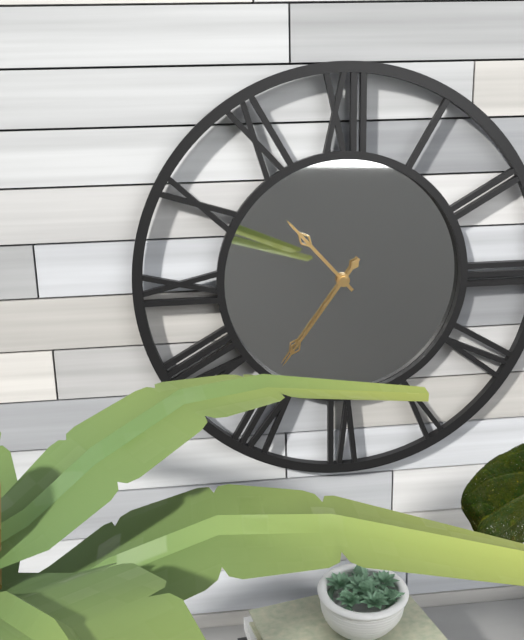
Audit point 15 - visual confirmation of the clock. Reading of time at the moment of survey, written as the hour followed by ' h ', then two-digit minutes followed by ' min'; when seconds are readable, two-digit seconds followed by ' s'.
10 h 36 min
